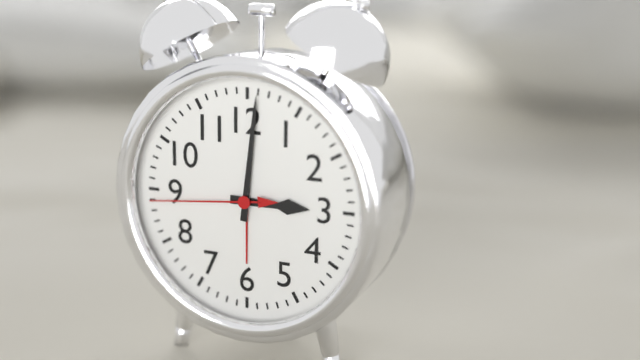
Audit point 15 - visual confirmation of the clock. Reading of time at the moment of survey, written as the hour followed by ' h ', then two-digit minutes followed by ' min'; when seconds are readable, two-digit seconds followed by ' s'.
3 h 01 min 44 s
